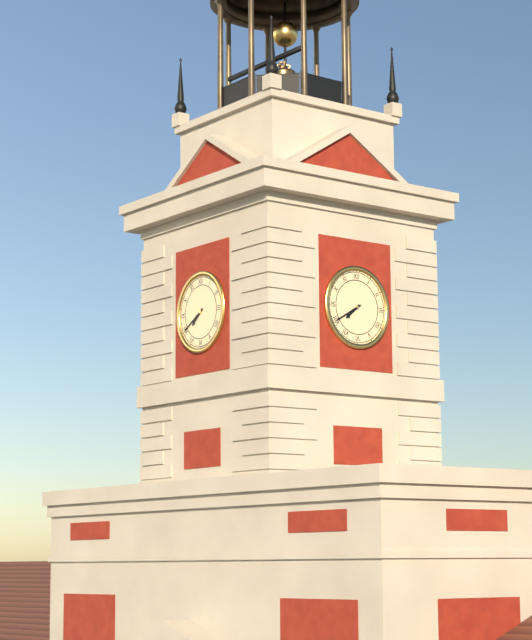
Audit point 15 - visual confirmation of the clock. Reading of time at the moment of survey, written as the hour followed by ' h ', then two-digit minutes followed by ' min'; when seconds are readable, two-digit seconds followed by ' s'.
7 h 40 min
